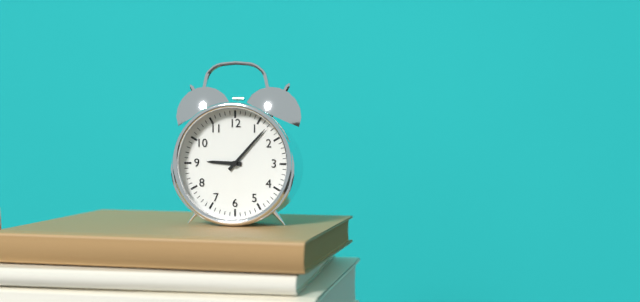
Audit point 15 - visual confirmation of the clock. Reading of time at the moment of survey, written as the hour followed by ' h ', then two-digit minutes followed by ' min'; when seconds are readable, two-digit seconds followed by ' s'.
9 h 07 min
